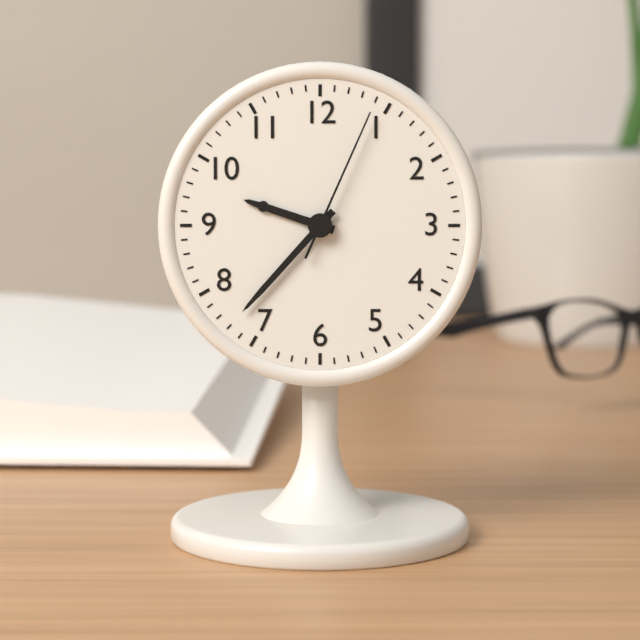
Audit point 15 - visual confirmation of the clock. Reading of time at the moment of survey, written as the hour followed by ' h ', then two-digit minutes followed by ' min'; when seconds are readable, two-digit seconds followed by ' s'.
9 h 37 min 04 s
